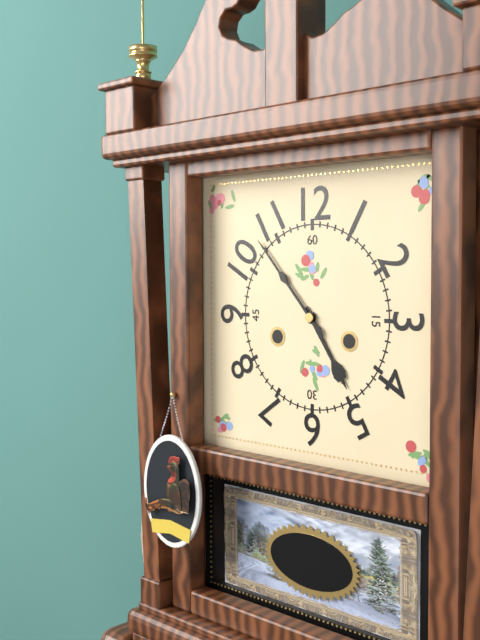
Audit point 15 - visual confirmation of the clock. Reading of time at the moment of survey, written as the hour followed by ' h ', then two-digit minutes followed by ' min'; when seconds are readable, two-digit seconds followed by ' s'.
4 h 53 min
